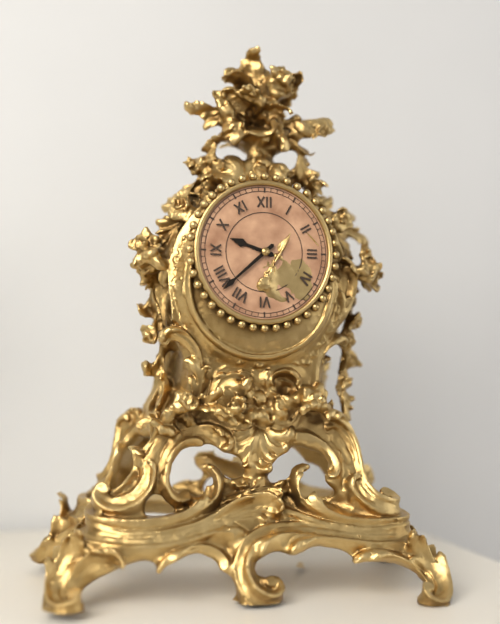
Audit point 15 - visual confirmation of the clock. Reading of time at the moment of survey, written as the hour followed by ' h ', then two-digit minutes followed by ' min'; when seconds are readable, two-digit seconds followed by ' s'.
9 h 38 min
